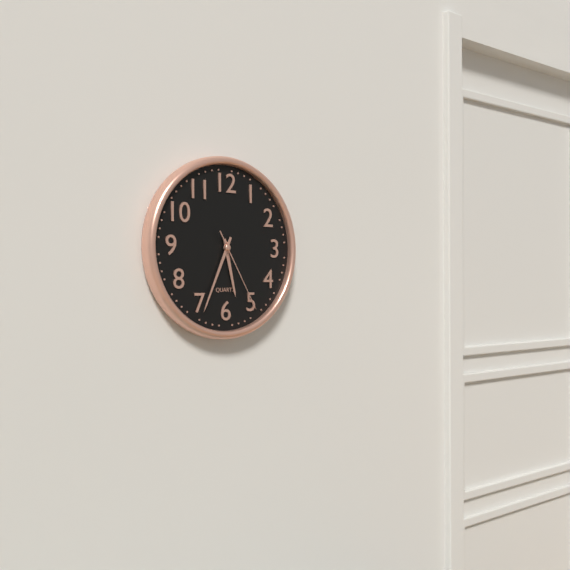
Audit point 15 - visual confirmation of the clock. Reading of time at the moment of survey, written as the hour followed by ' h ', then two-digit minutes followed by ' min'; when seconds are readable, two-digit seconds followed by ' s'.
5 h 34 min 25 s
